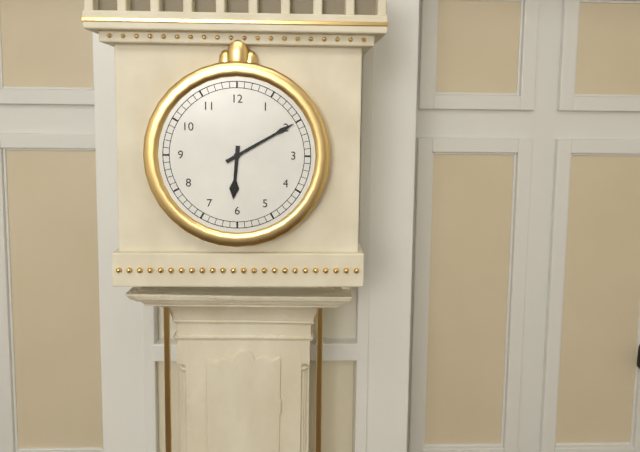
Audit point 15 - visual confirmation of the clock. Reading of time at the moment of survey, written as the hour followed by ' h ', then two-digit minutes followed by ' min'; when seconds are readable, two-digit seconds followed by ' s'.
6 h 10 min
